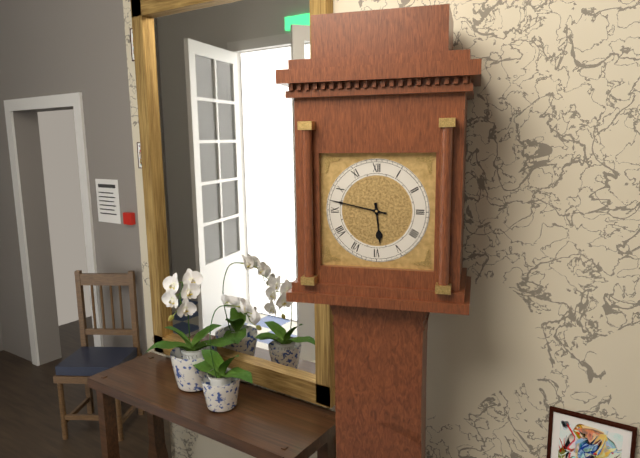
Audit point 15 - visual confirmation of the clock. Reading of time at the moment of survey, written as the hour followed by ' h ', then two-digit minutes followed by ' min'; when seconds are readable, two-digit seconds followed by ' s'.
5 h 47 min
